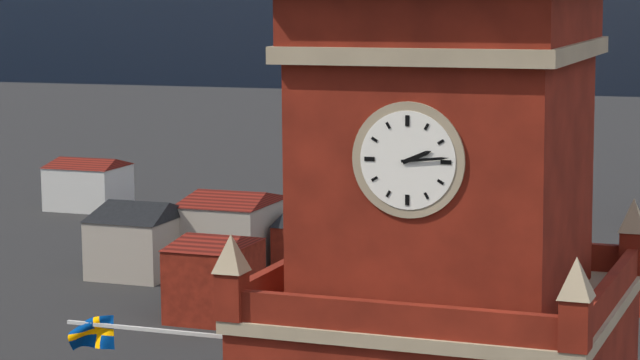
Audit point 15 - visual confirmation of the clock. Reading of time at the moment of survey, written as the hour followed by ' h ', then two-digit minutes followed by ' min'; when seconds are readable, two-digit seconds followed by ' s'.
2 h 14 min
